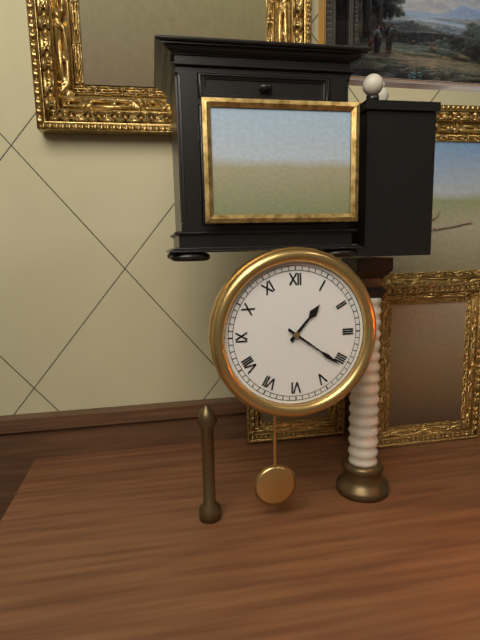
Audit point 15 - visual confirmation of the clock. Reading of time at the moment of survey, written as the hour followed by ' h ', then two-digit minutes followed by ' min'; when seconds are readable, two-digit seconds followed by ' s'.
1 h 21 min
